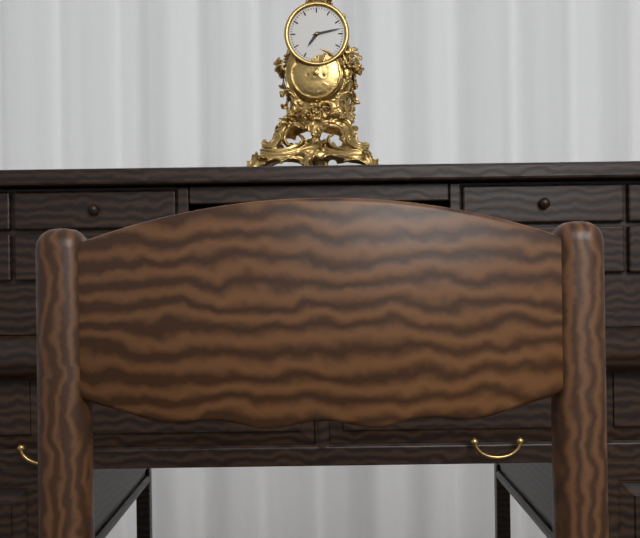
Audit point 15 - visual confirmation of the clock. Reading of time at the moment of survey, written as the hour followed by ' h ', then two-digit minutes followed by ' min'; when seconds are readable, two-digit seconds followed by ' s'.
7 h 13 min
